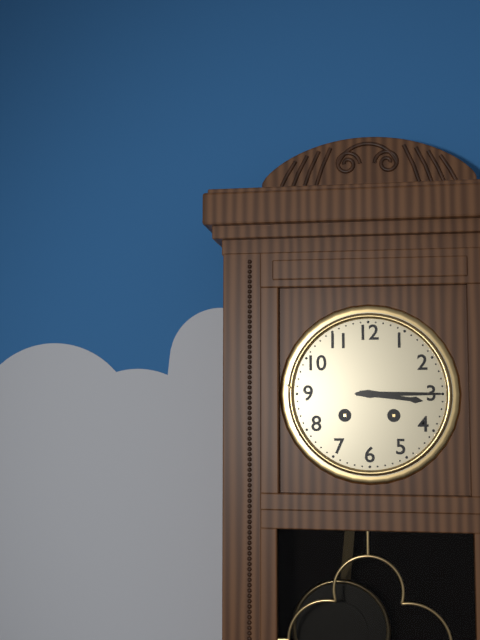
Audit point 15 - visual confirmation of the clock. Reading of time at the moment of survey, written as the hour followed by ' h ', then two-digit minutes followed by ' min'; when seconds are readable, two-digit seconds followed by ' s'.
3 h 15 min
